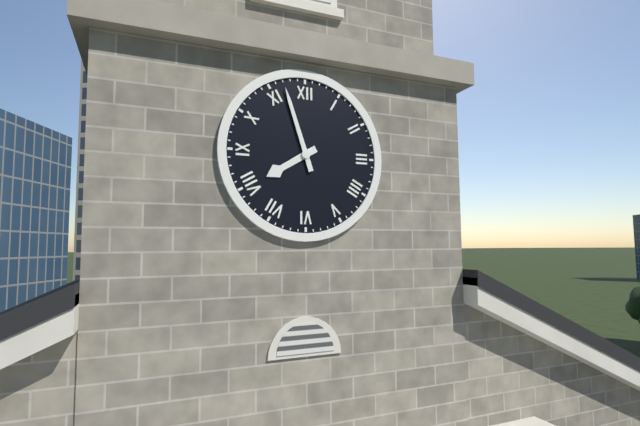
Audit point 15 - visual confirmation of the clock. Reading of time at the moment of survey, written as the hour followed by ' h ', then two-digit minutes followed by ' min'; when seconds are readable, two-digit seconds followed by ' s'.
7 h 57 min
